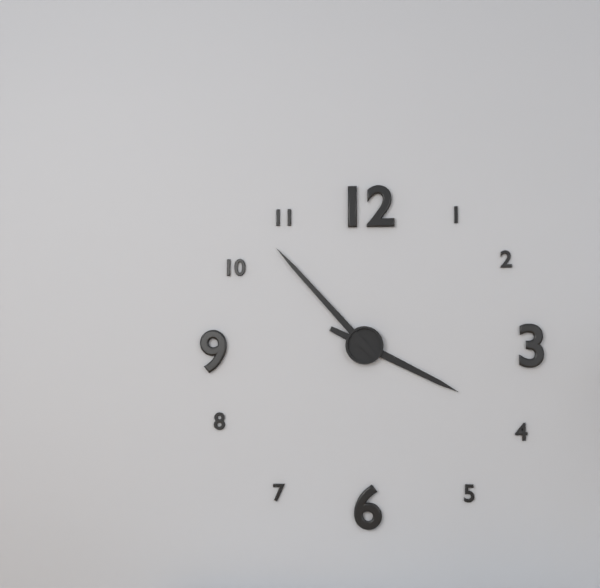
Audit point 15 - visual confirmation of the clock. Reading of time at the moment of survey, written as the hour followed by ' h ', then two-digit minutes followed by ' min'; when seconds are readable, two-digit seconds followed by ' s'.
3 h 53 min
